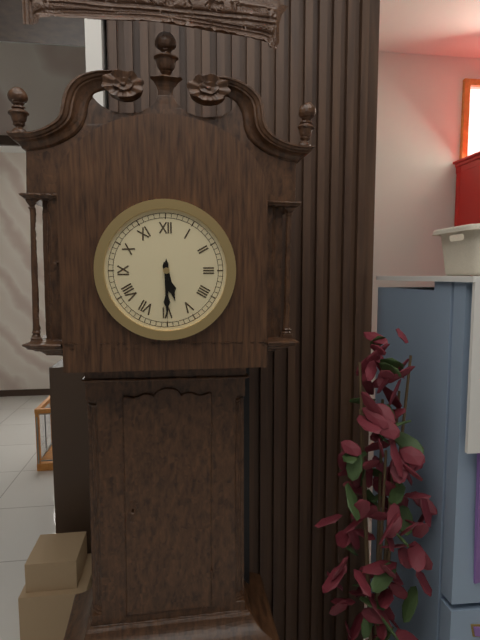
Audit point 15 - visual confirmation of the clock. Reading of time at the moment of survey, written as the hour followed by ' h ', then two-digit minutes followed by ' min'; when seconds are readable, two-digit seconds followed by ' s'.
5 h 30 min
